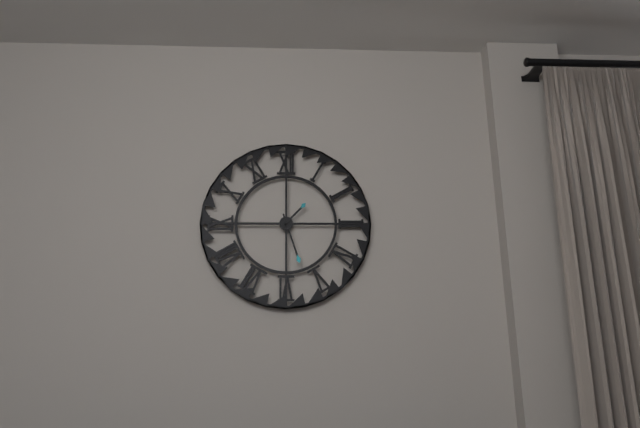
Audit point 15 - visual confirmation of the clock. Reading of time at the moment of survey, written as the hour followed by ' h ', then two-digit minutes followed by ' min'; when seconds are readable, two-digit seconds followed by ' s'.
1 h 27 min
